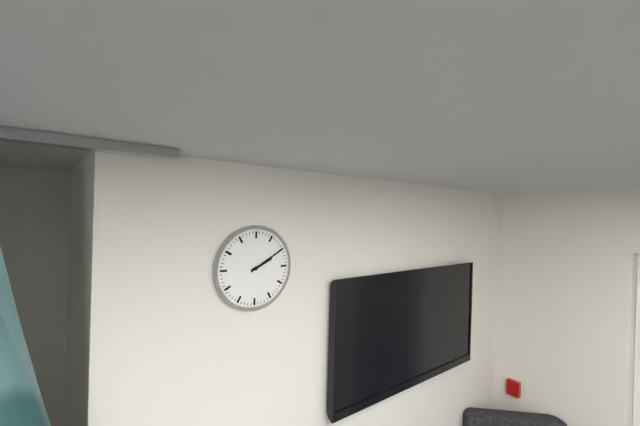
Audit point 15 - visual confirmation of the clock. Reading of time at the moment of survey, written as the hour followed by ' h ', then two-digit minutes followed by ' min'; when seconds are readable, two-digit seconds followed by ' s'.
2 h 10 min
